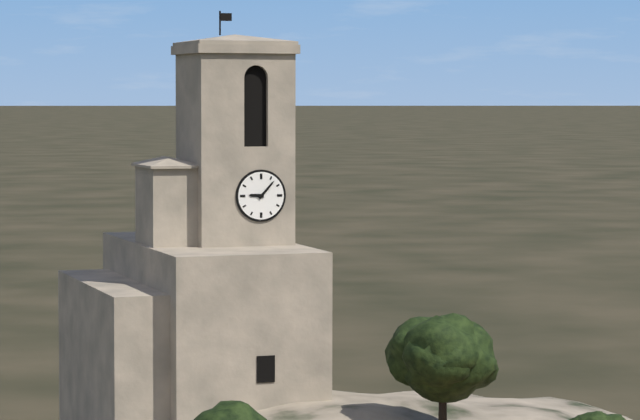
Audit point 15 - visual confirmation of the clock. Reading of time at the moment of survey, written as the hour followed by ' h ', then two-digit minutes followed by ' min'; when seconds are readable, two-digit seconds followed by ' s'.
9 h 07 min
